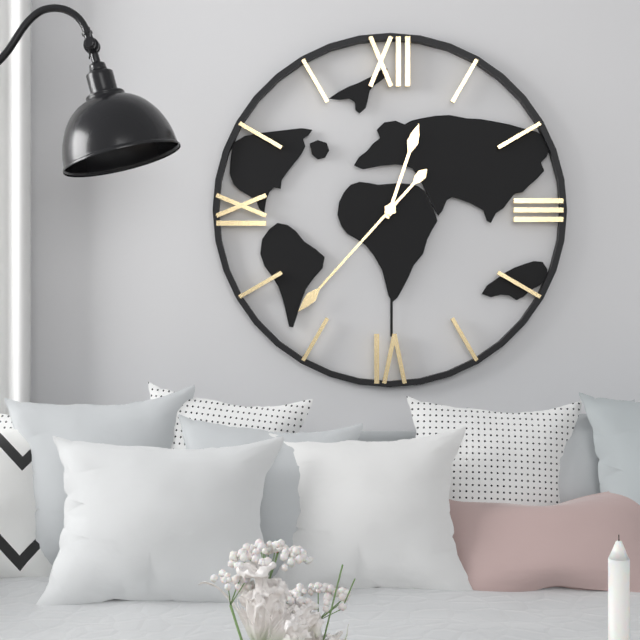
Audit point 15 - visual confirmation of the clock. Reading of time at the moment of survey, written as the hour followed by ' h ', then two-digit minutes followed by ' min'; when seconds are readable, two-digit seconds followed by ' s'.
12 h 37 min
